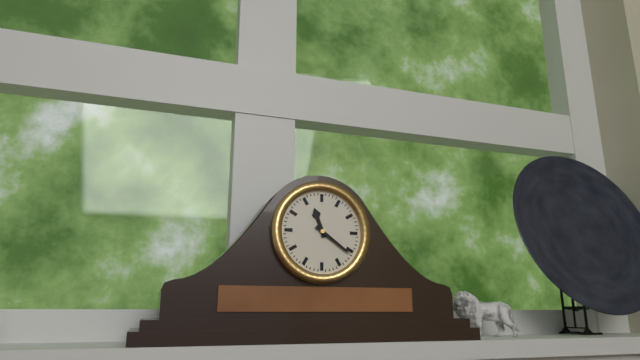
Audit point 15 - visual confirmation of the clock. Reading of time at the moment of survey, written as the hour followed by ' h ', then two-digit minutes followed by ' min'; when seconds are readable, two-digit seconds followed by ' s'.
11 h 21 min
